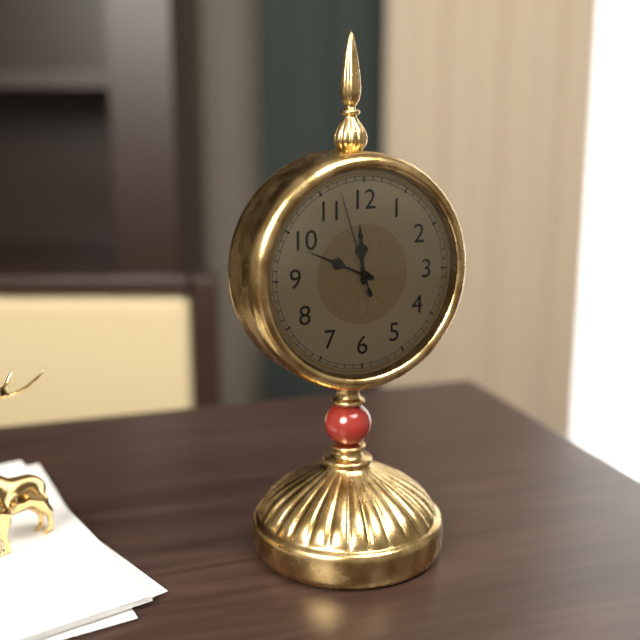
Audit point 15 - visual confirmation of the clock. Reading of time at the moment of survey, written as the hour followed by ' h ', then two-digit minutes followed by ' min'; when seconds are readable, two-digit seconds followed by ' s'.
11 h 49 min 57 s
